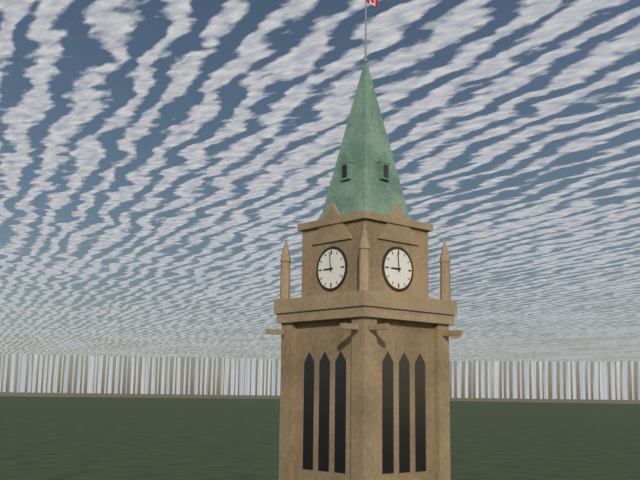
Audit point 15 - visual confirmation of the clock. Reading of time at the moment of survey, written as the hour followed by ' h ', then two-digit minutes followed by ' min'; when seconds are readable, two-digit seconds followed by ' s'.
8 h 59 min
